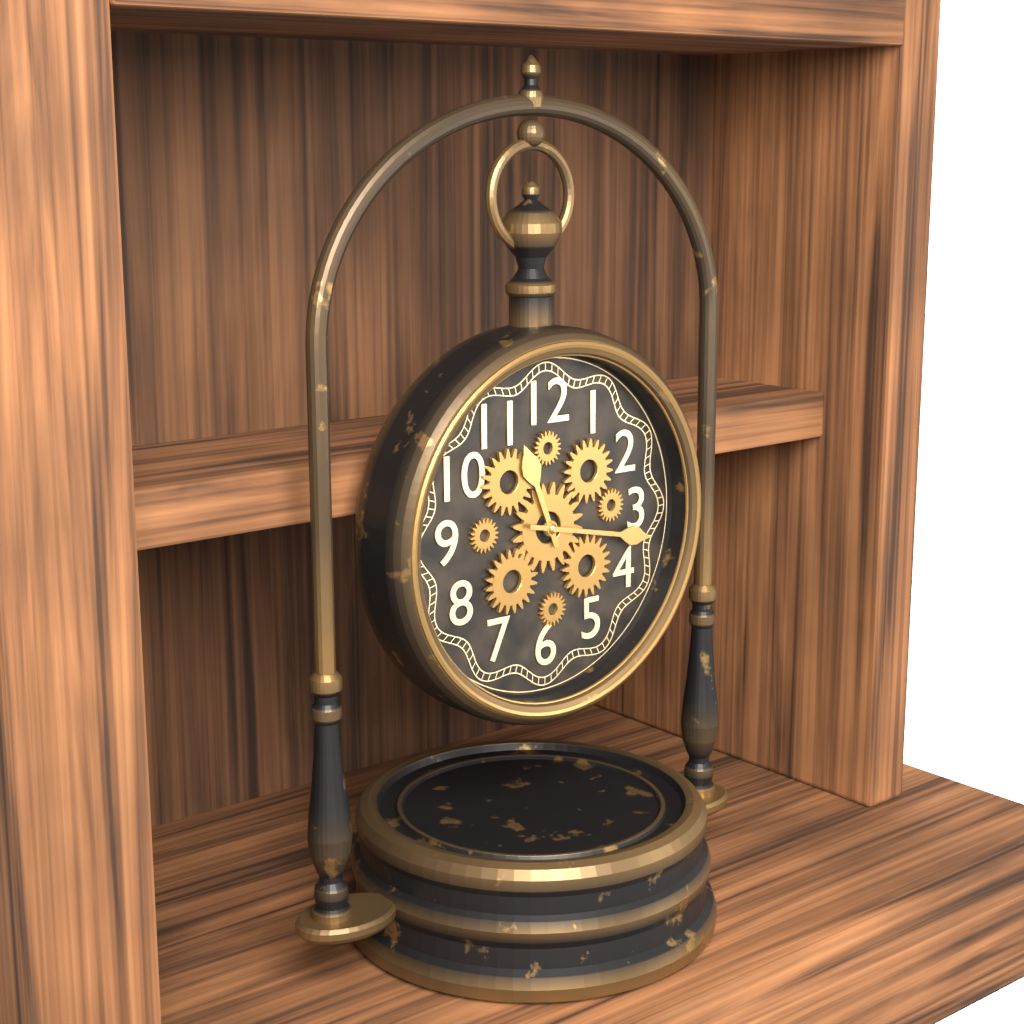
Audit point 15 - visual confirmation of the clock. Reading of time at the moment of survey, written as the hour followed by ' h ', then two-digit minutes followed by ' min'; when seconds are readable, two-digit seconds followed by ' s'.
11 h 17 min
